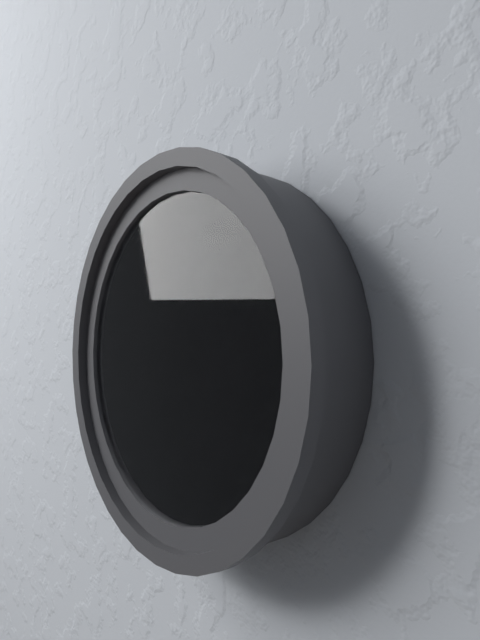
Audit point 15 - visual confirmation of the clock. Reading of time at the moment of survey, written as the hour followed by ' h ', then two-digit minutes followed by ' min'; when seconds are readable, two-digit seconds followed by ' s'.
7 h 18 min 27 s
